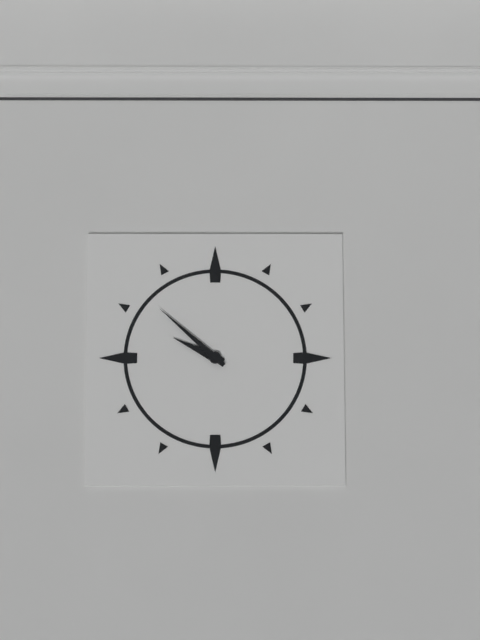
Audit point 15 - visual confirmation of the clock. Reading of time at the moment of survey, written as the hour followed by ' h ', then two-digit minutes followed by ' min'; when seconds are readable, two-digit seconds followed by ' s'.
9 h 52 min
